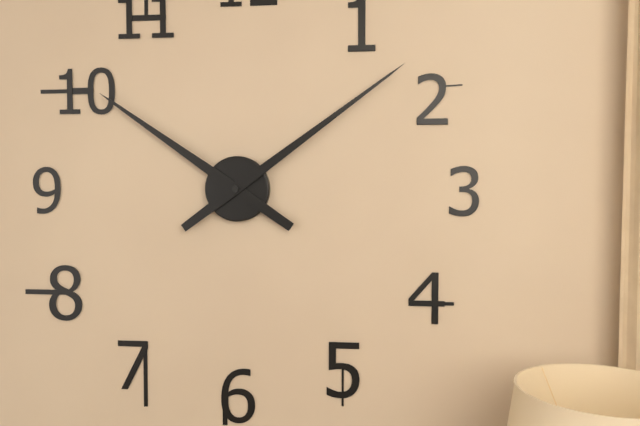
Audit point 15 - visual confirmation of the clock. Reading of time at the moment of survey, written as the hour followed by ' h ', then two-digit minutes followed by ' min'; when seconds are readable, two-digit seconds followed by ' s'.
10 h 09 min
